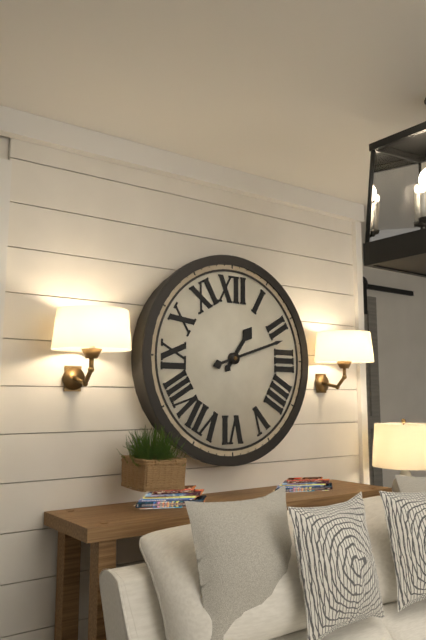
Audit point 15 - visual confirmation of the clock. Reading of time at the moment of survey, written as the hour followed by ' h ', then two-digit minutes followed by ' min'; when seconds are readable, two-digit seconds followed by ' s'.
1 h 12 min
